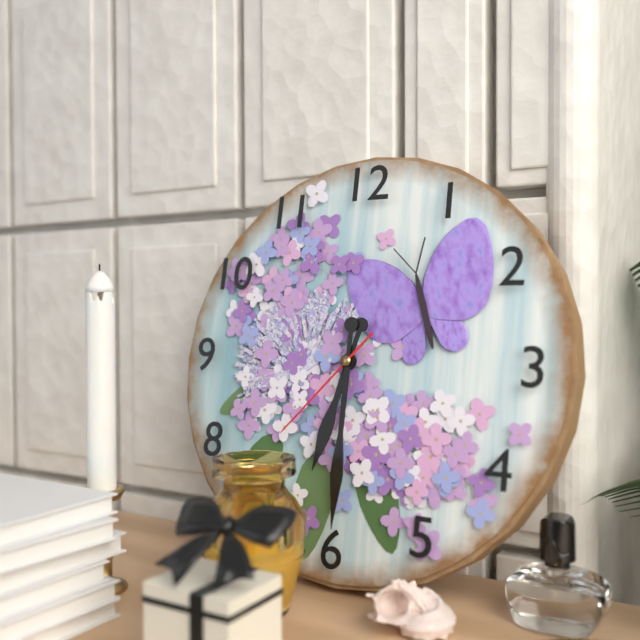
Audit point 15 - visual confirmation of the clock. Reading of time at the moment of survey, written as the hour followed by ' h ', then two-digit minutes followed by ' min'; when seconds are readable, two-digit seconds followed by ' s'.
6 h 30 min 37 s
